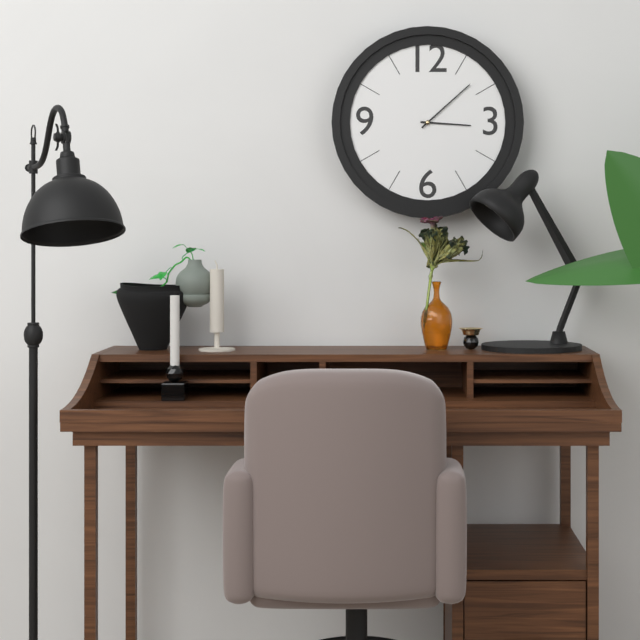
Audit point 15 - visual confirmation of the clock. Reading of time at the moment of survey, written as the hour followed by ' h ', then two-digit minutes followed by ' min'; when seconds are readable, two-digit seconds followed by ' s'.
3 h 08 min
